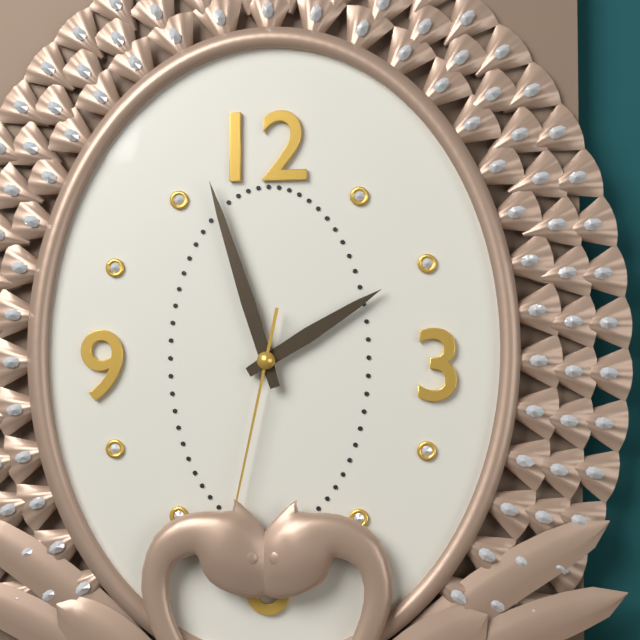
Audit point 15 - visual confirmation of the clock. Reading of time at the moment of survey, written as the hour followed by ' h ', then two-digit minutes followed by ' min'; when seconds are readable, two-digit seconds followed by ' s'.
1 h 57 min
